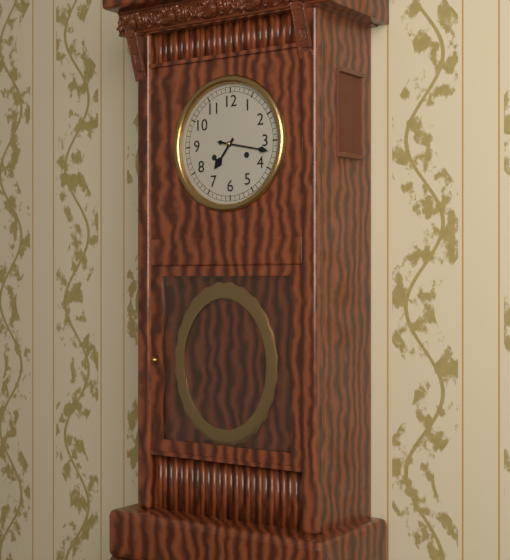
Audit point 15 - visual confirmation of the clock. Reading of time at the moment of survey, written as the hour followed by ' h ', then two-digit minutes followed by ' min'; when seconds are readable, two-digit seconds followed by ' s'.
7 h 17 min
